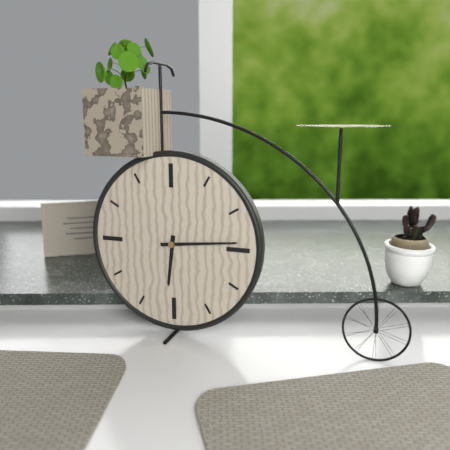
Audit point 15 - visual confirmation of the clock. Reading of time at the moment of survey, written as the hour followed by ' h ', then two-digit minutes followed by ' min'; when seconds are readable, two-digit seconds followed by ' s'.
6 h 14 min
